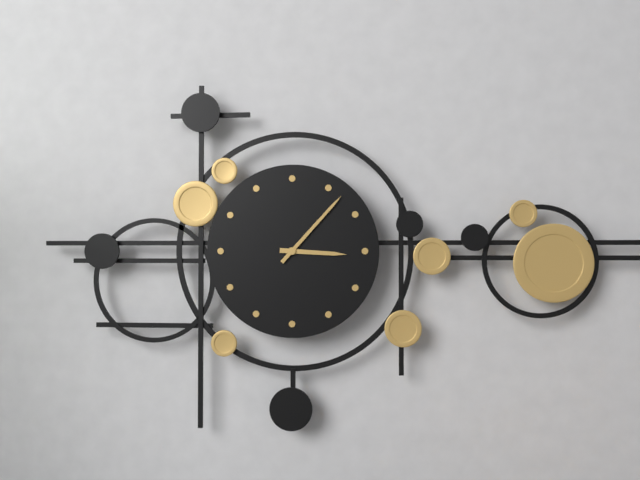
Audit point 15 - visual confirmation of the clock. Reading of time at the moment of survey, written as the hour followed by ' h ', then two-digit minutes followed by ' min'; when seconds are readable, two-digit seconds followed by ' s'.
3 h 07 min
